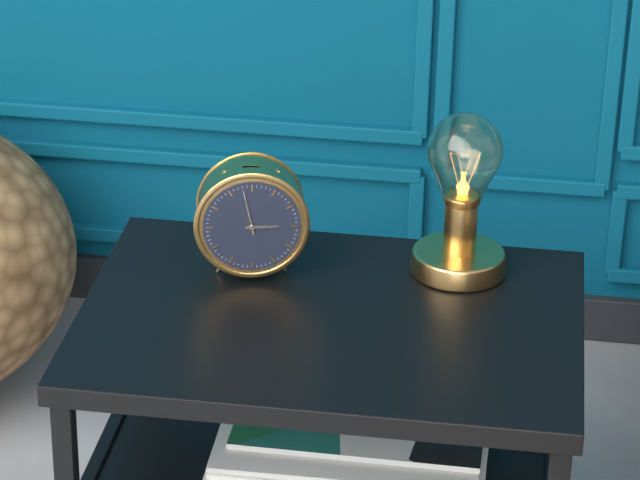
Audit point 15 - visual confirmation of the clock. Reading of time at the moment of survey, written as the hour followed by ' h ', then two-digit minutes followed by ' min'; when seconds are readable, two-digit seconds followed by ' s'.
2 h 58 min
